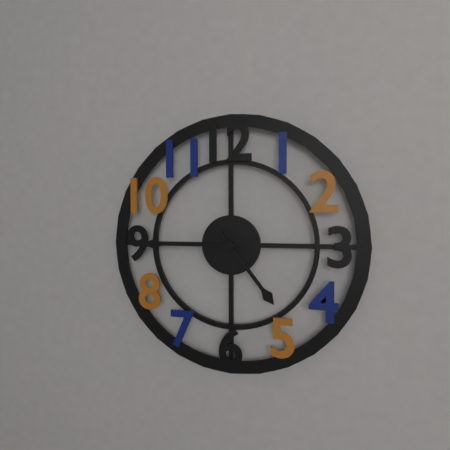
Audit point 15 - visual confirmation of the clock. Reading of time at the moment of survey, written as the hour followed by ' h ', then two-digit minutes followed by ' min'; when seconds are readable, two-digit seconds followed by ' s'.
4 h 45 min
